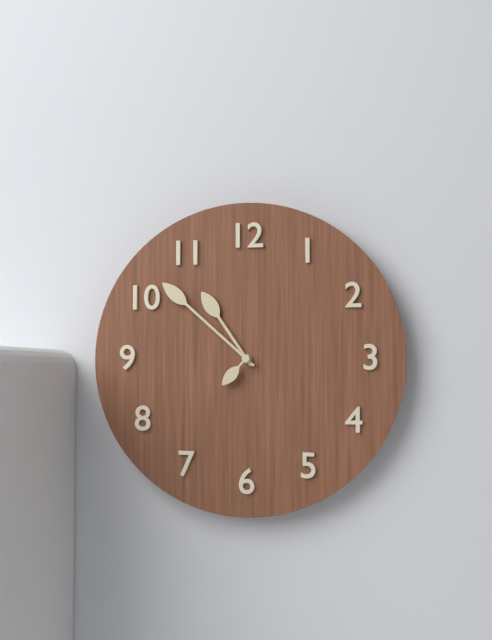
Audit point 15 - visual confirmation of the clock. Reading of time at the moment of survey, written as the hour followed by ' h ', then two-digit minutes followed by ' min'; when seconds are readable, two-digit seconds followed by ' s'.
10 h 52 min
